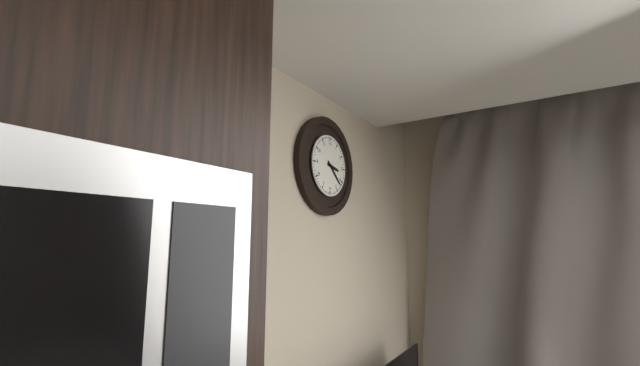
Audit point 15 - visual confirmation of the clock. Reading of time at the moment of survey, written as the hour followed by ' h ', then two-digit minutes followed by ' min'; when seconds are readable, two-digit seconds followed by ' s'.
3 h 22 min
